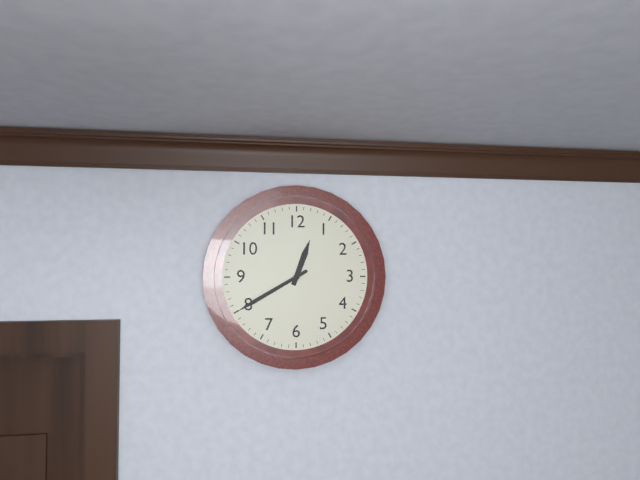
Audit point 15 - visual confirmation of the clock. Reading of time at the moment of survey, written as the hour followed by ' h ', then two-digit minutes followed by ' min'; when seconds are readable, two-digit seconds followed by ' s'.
12 h 40 min
